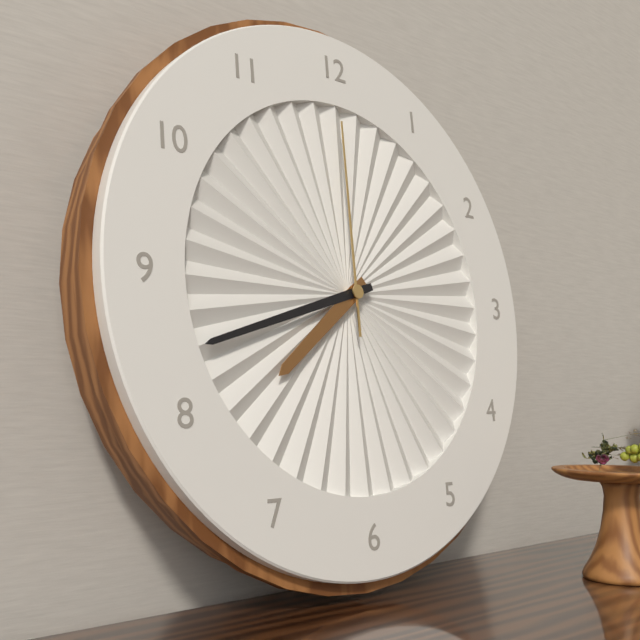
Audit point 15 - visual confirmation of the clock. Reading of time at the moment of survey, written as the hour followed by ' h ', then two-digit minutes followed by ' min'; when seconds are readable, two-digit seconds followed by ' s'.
7 h 42 min 00 s
